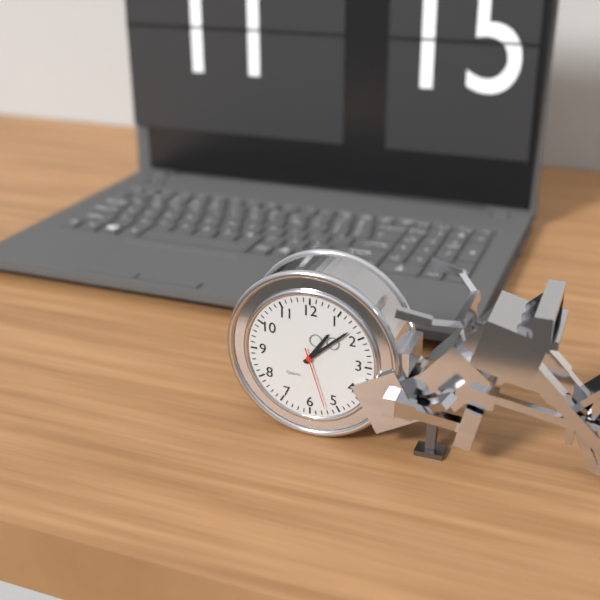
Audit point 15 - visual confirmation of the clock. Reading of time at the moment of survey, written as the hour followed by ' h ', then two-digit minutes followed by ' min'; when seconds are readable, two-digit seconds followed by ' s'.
1 h 08 min 27 s
